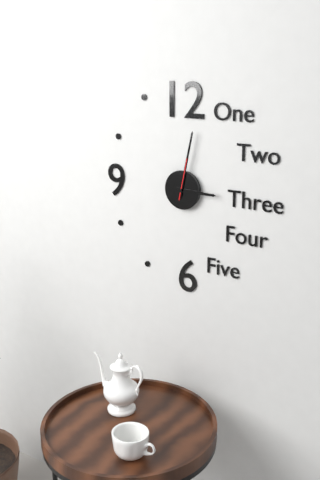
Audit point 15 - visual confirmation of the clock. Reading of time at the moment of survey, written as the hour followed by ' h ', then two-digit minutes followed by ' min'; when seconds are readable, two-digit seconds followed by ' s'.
3 h 02 min
